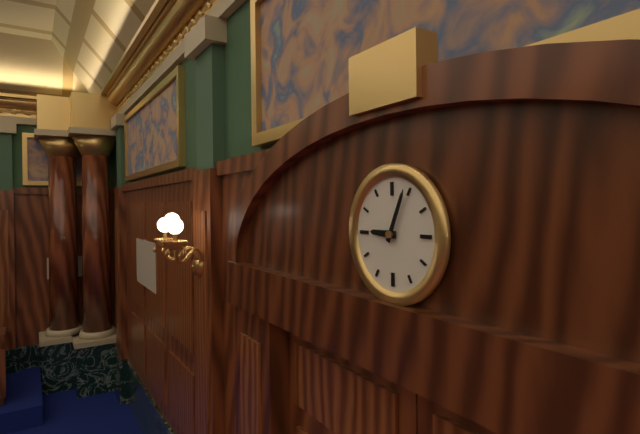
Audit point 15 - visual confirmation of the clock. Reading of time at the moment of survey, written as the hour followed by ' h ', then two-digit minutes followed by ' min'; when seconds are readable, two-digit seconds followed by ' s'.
9 h 04 min
